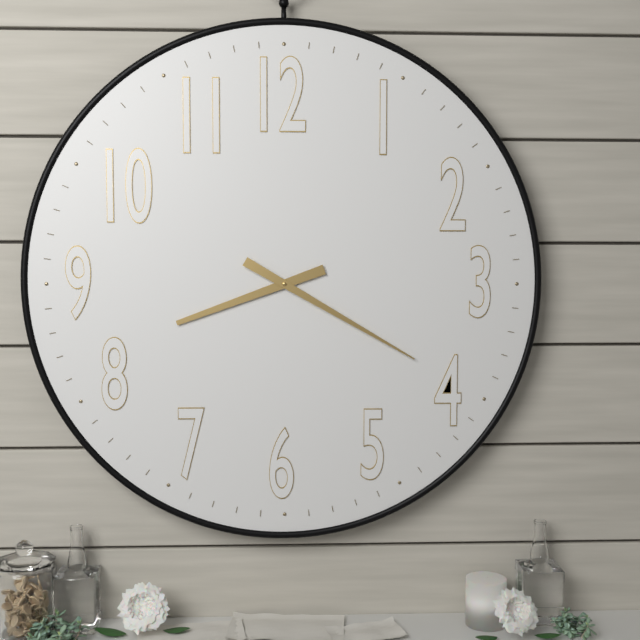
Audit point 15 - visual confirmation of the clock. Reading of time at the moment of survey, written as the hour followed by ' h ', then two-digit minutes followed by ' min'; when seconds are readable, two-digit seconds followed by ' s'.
8 h 20 min
